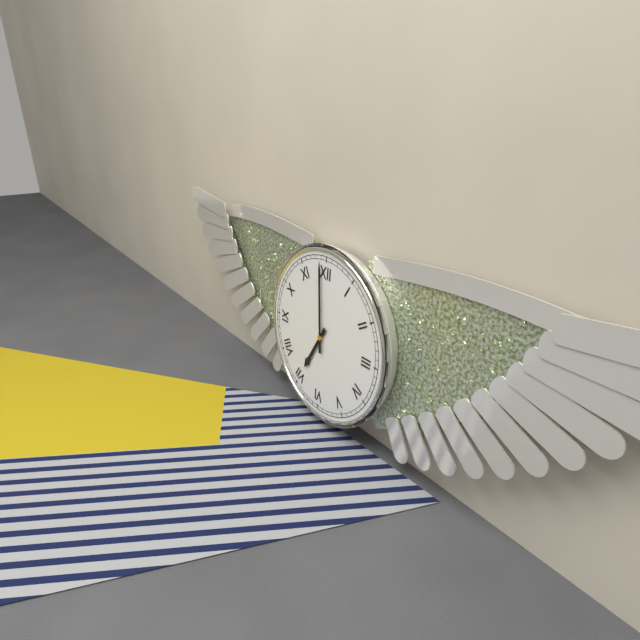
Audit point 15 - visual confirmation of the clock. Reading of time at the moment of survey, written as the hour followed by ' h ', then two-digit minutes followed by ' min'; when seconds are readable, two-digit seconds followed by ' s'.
6 h 59 min
